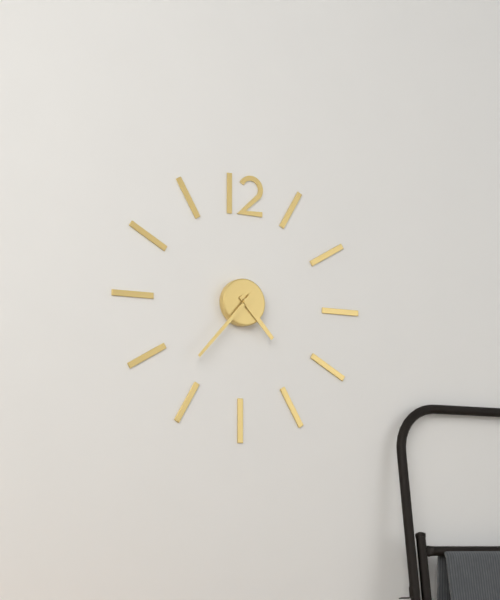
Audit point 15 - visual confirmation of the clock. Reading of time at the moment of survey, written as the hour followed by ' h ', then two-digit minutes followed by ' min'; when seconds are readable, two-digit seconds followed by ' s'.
4 h 37 min
